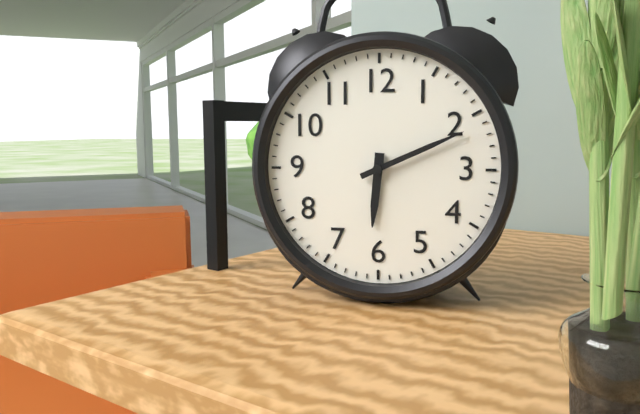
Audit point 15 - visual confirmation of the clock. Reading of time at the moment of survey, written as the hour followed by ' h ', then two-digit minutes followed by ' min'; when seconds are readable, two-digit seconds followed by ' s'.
6 h 11 min
